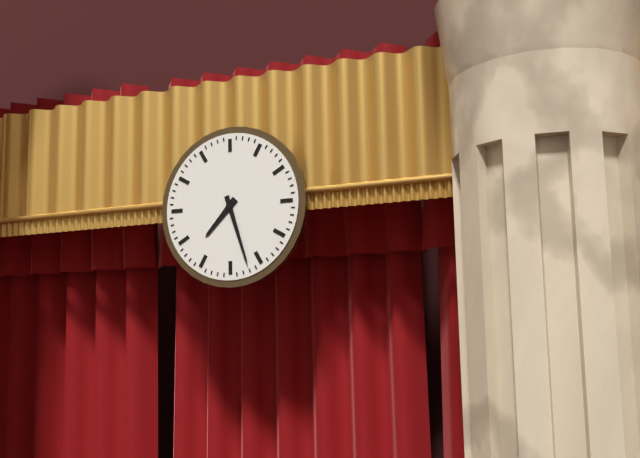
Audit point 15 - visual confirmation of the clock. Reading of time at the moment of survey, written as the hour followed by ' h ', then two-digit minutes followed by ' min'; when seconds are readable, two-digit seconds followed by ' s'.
7 h 27 min
